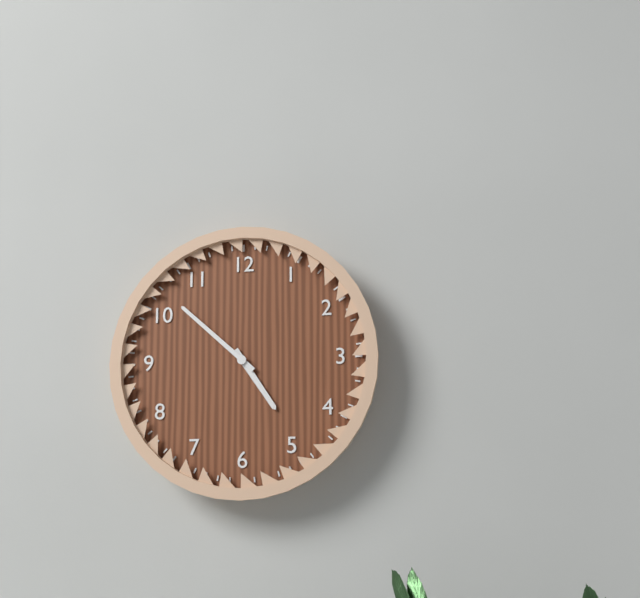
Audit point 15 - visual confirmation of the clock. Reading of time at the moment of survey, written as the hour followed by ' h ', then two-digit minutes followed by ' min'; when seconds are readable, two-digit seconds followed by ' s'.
4 h 52 min
